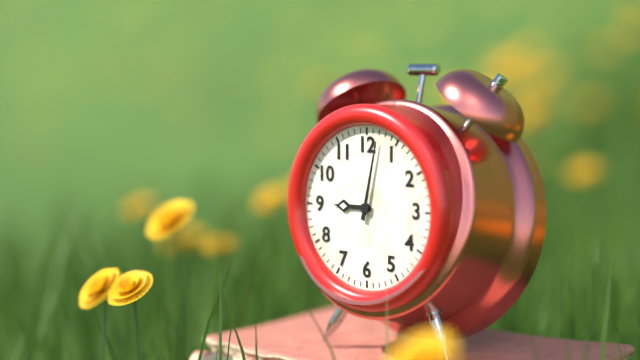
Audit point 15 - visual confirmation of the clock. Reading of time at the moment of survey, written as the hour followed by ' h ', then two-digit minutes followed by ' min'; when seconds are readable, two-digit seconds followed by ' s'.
9 h 02 min
